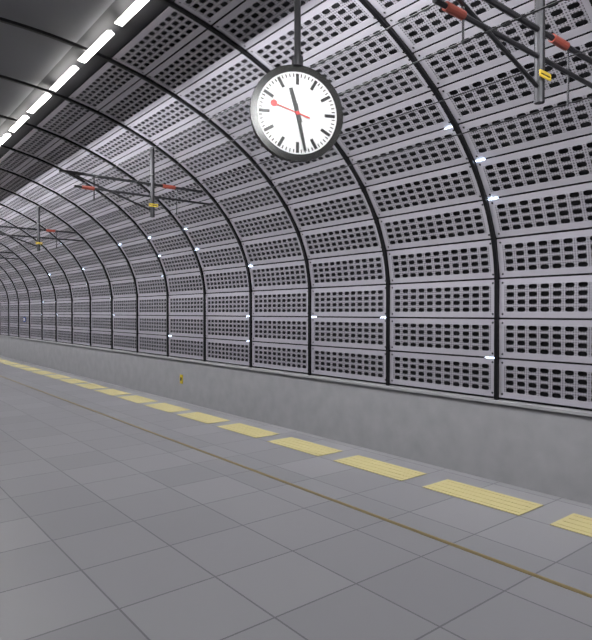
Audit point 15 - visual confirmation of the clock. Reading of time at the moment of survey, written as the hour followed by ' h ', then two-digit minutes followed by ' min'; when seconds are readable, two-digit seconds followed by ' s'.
11 h 28 min
